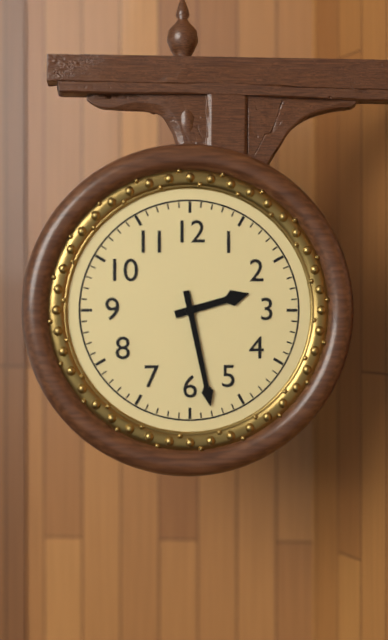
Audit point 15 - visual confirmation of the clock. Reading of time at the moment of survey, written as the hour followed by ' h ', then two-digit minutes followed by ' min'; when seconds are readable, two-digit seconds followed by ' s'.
2 h 28 min
